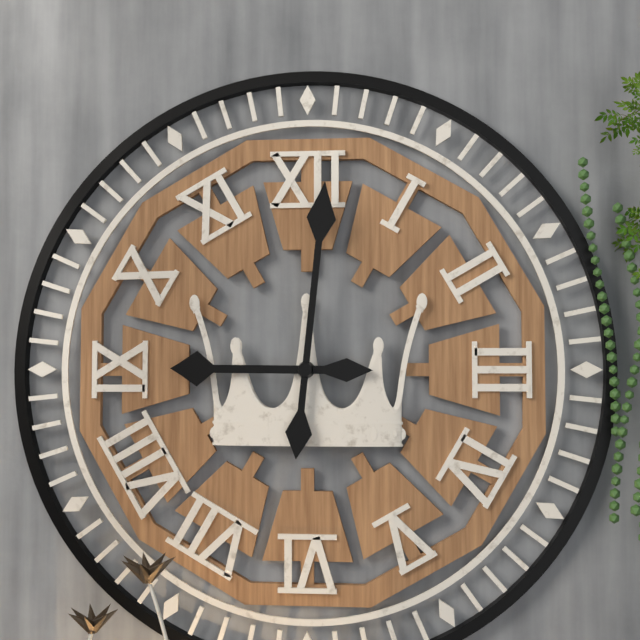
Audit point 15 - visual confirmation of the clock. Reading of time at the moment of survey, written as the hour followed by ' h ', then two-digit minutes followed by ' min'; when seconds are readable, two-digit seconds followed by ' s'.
9 h 01 min
